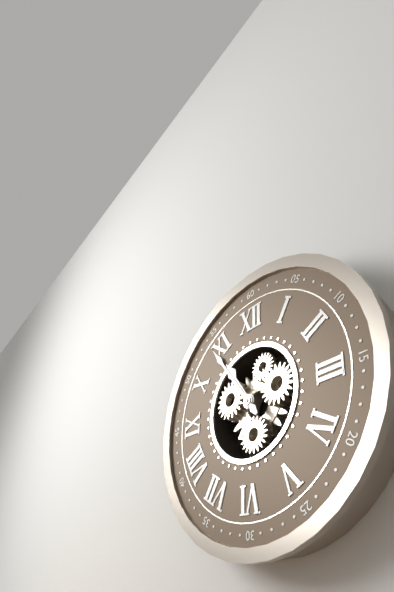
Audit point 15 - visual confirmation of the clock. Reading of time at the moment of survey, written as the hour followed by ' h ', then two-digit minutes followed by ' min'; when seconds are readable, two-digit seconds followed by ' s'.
10 h 54 min
